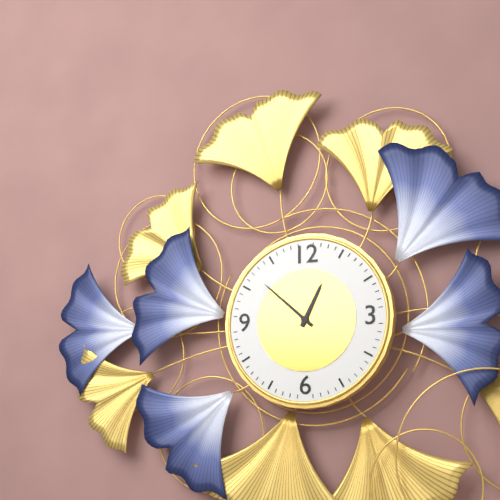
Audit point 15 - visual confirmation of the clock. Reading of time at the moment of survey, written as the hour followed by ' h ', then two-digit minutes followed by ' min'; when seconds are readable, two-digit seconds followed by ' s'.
12 h 52 min
